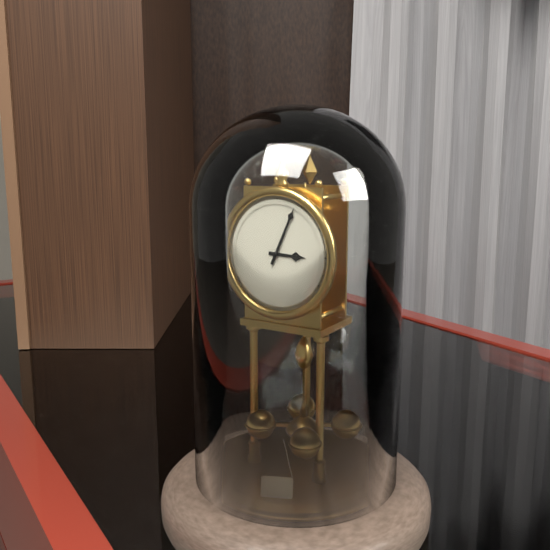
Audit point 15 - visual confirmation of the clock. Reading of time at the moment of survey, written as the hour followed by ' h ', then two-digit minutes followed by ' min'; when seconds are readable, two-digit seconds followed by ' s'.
3 h 04 min
